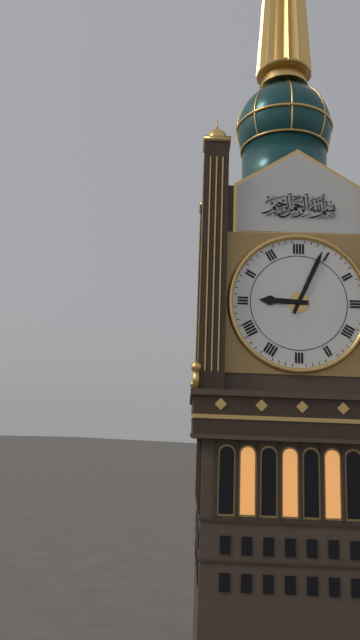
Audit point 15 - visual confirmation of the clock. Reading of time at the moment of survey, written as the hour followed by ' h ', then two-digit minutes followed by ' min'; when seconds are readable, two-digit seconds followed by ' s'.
9 h 04 min
